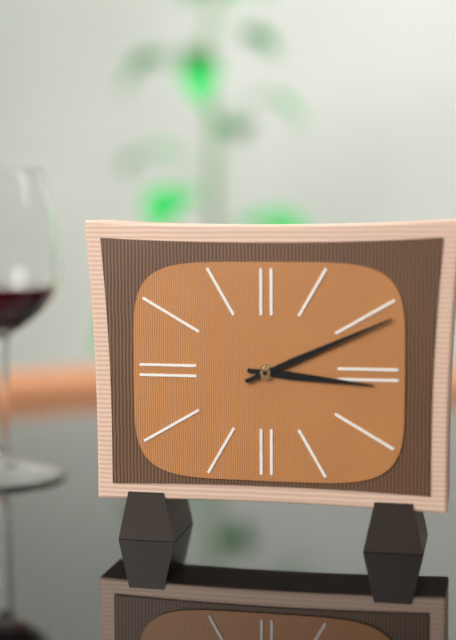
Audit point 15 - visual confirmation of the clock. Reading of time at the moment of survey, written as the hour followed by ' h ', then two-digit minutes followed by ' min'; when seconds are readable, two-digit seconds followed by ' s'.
3 h 11 min
